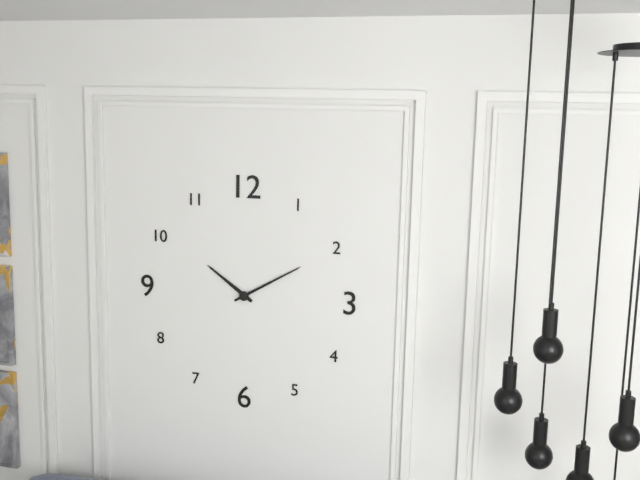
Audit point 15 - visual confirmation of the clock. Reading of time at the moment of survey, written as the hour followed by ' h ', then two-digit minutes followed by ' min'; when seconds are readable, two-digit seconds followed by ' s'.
10 h 10 min
